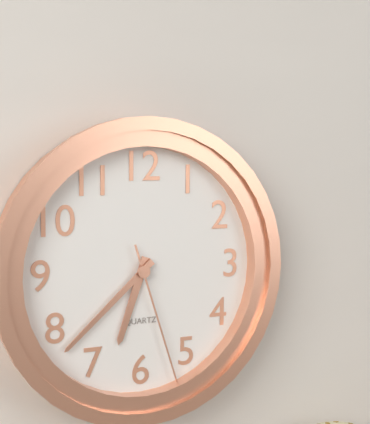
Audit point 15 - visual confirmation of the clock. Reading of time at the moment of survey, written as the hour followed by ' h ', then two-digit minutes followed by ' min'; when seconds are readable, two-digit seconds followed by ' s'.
6 h 38 min 27 s
